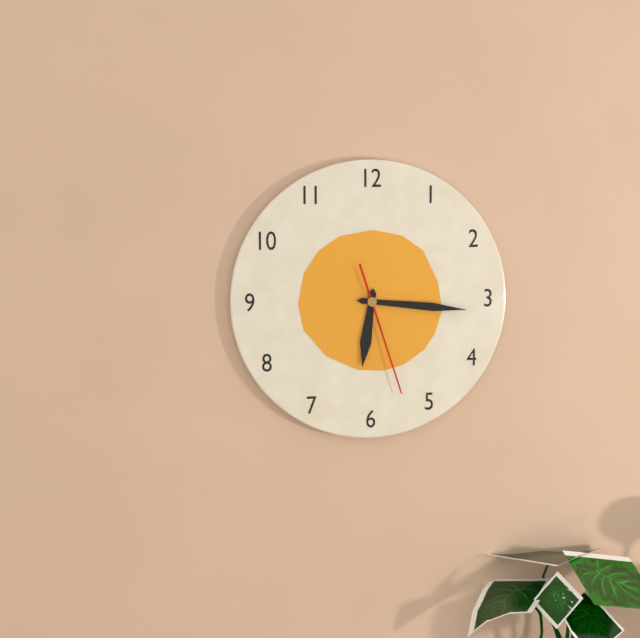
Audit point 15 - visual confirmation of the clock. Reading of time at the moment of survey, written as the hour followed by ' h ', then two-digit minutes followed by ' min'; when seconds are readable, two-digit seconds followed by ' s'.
6 h 16 min 27 s
